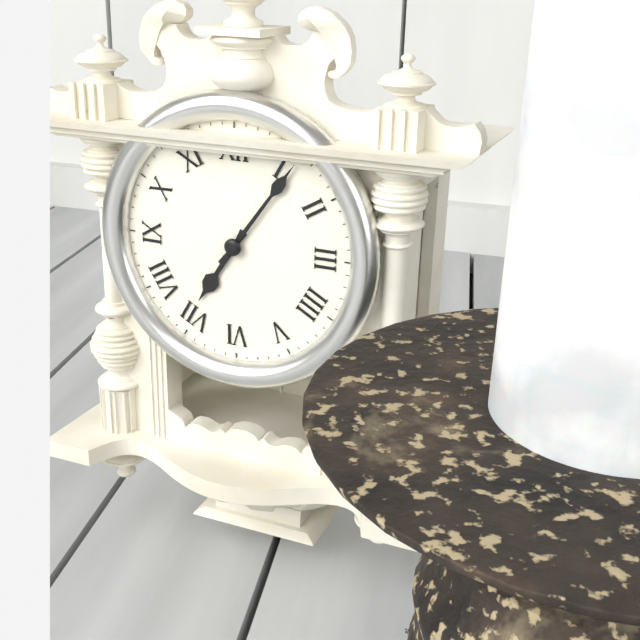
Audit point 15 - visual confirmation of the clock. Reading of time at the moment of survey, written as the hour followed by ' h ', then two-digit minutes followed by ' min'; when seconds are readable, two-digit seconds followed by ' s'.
7 h 06 min
